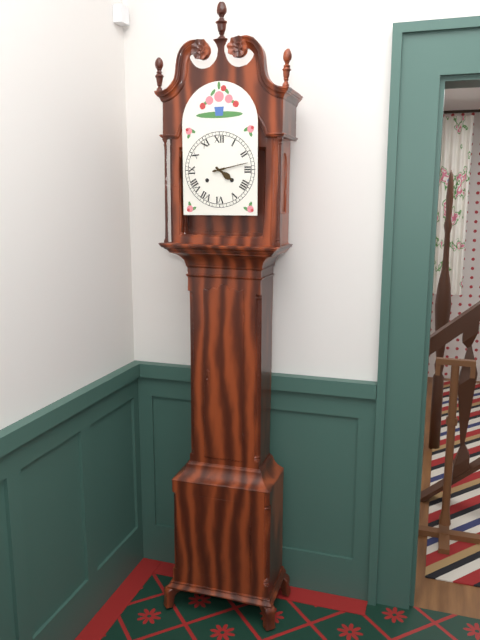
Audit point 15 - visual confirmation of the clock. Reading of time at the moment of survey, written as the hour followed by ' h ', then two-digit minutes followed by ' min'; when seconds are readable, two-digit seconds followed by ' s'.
4 h 13 min
